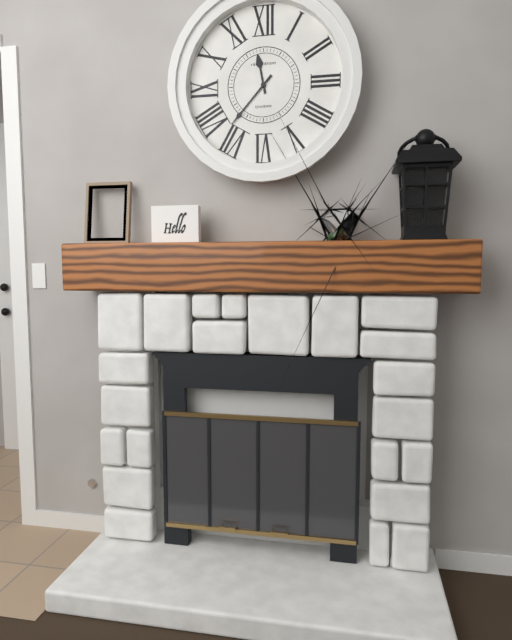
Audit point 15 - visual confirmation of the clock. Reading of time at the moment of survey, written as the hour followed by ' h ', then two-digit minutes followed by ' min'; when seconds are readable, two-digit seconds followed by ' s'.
11 h 37 min
